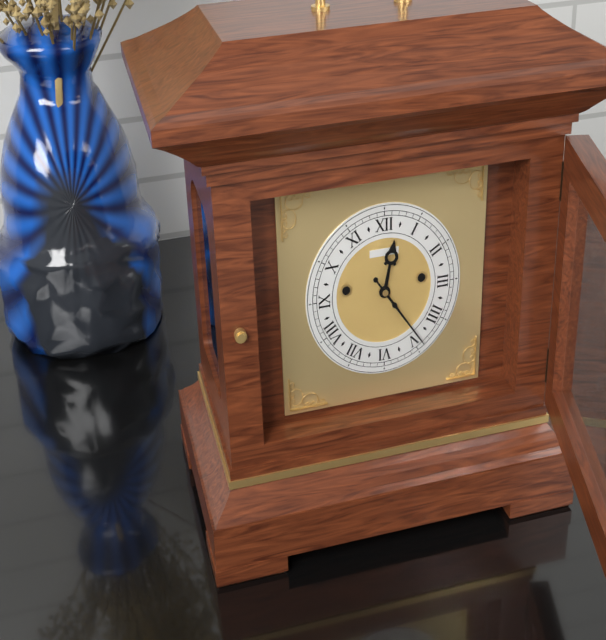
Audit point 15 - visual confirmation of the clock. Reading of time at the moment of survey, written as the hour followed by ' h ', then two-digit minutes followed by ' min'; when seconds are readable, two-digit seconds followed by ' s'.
12 h 24 min
